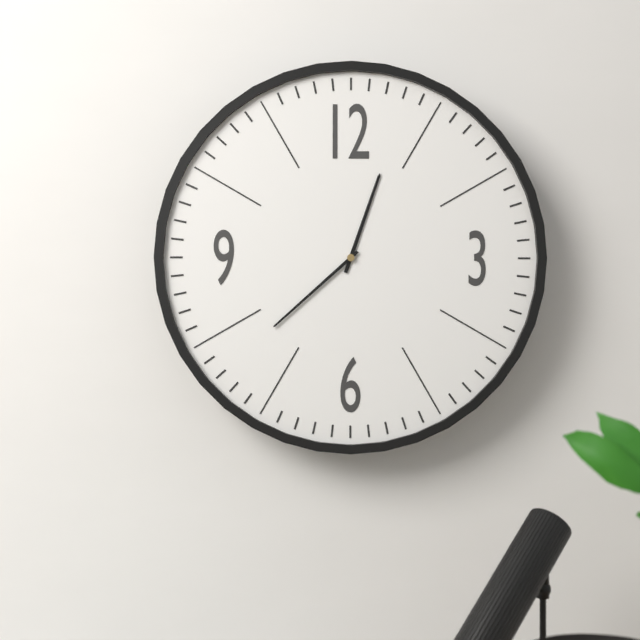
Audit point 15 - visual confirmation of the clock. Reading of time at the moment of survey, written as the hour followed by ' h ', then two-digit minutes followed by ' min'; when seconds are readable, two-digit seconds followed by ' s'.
12 h 38 min
